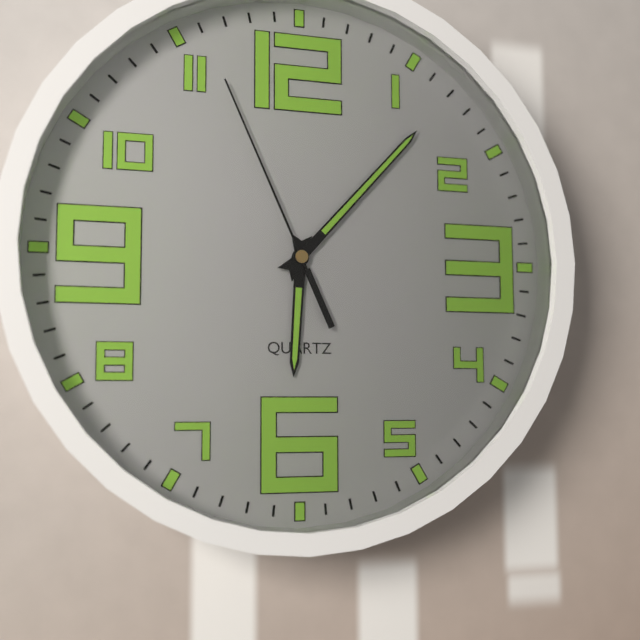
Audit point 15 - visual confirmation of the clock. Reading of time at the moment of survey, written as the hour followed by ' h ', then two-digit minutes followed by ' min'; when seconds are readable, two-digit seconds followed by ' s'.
6 h 07 min 56 s
